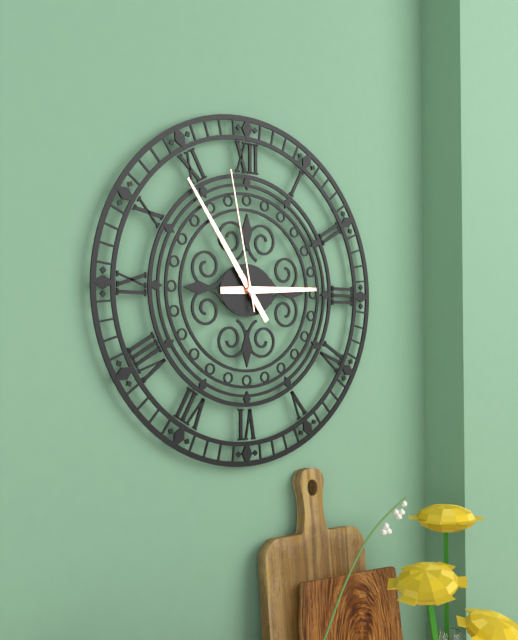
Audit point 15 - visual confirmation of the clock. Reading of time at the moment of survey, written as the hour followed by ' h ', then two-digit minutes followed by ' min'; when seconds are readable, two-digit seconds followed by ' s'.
2 h 54 min 58 s
